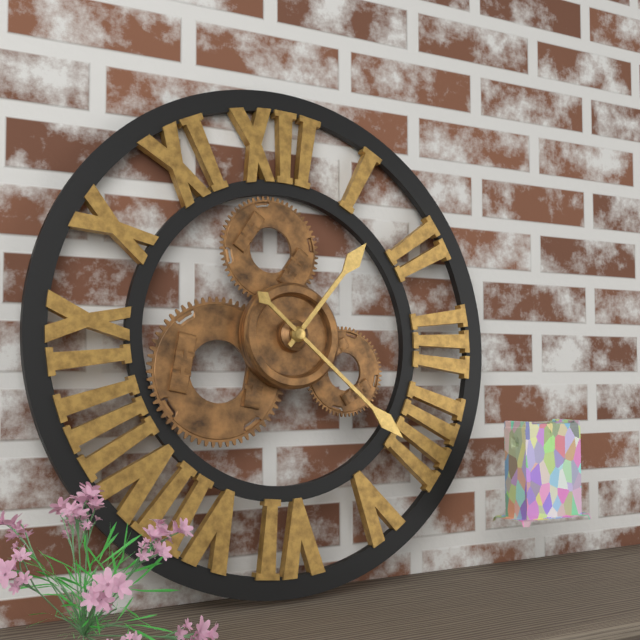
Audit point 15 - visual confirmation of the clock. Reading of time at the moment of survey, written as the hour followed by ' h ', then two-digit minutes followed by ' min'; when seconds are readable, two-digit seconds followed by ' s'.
1 h 22 min
